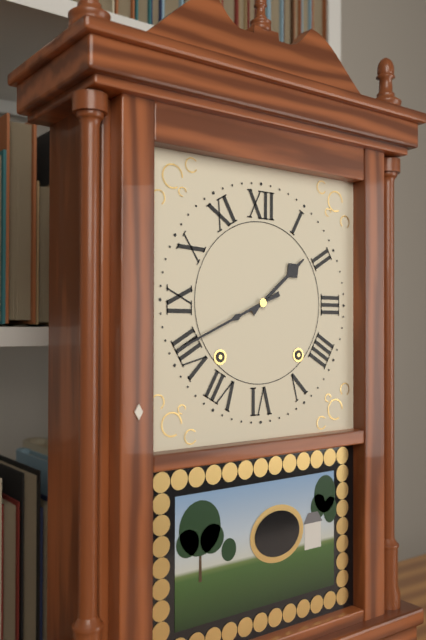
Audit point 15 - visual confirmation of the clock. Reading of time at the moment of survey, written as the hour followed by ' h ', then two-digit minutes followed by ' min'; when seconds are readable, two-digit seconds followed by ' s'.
1 h 41 min
